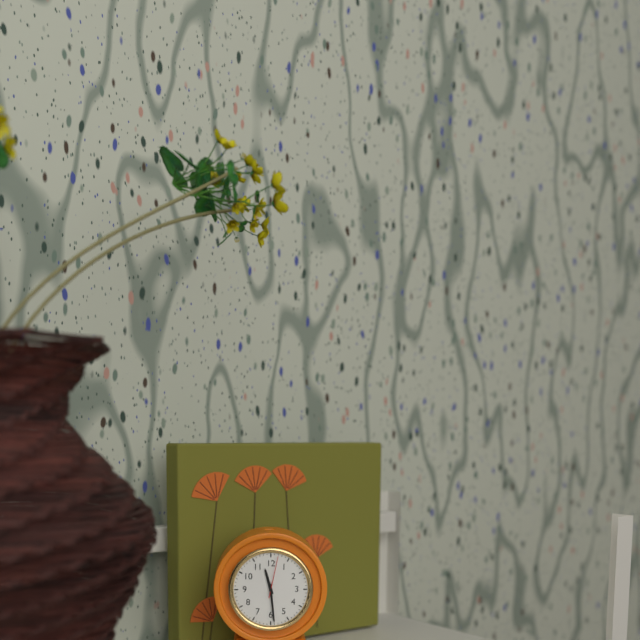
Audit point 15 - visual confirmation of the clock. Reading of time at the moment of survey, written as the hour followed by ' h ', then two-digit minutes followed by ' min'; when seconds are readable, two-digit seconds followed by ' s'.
11 h 29 min
